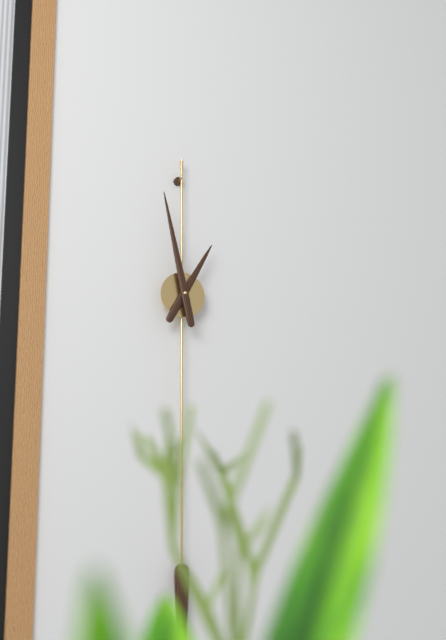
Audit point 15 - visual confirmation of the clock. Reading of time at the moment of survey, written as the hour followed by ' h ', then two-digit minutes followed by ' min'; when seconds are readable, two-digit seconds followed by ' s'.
12 h 58 min
